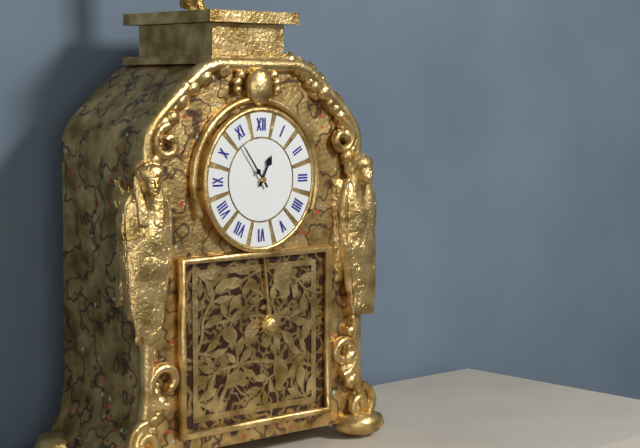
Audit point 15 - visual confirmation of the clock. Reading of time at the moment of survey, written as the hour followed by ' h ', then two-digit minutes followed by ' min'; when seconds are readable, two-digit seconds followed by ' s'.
12 h 54 min
